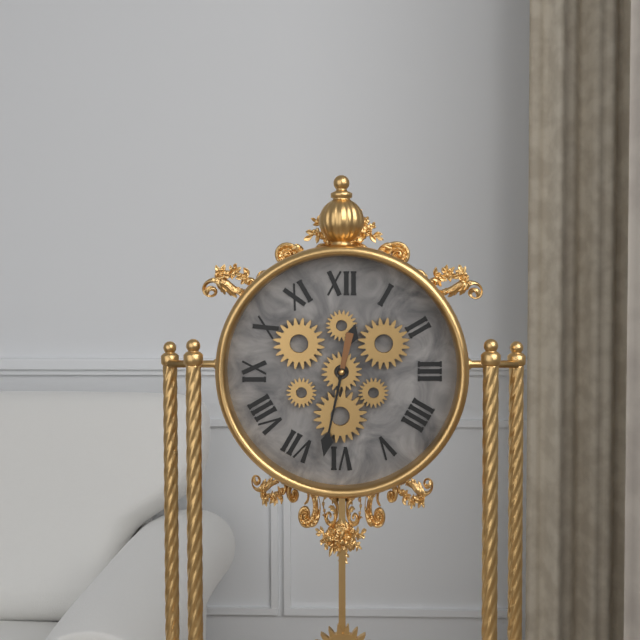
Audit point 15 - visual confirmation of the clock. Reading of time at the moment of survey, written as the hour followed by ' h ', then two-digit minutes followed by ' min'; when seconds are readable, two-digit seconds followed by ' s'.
12 h 32 min
